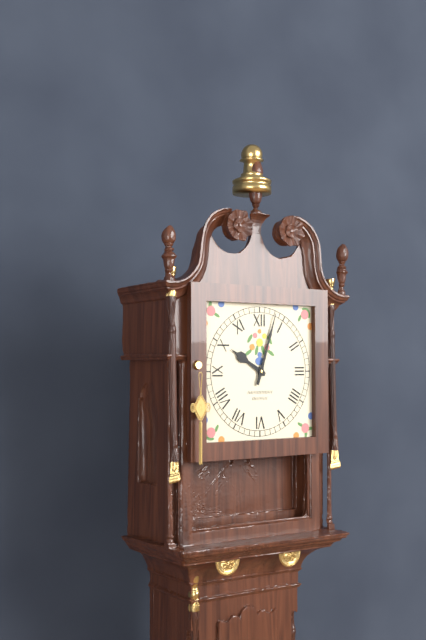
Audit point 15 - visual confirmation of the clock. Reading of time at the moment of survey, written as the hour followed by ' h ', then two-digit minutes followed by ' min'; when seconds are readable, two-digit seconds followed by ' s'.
10 h 03 min
